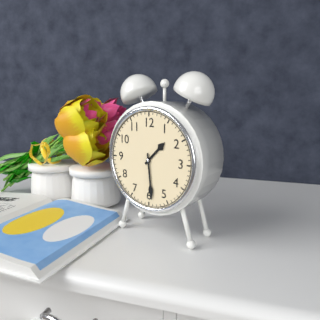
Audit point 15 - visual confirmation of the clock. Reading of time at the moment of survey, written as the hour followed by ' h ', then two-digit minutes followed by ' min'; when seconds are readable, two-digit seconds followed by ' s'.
1 h 29 min
